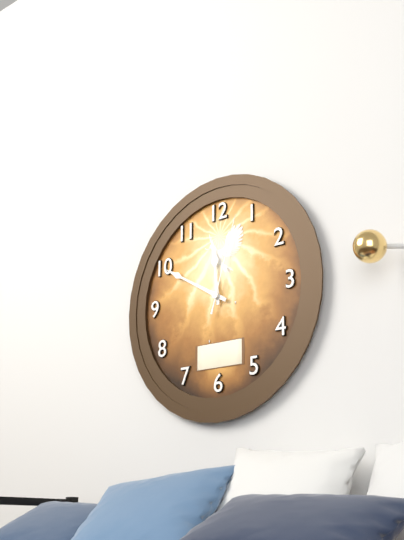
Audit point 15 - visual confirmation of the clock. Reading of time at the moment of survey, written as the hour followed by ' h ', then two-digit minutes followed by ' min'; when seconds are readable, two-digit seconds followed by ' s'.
11 h 50 min 03 s
